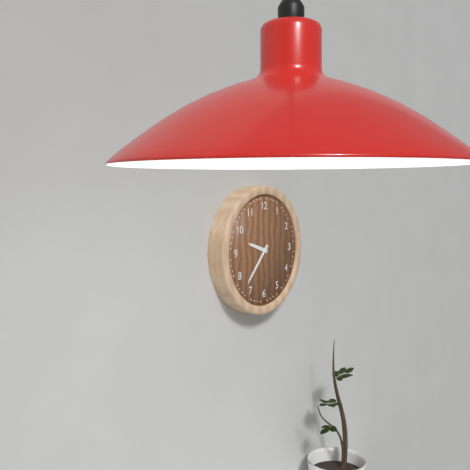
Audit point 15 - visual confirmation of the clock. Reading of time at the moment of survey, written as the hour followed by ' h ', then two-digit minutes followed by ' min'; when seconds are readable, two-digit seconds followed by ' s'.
9 h 37 min
